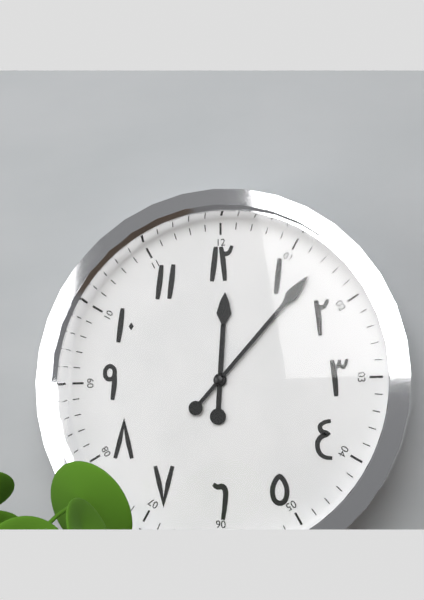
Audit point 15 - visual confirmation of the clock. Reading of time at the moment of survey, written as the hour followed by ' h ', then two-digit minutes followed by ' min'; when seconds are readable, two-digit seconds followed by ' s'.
12 h 07 min
